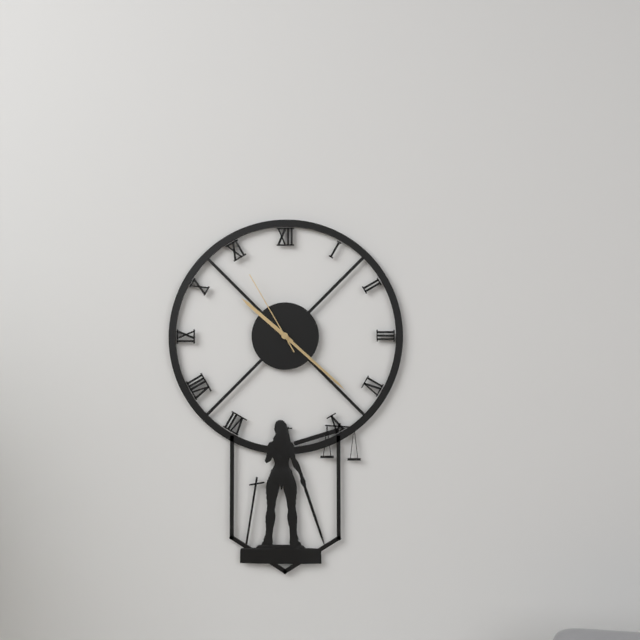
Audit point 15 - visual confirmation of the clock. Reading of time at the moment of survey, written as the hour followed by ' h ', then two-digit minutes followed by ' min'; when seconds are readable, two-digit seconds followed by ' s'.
10 h 22 min 55 s
